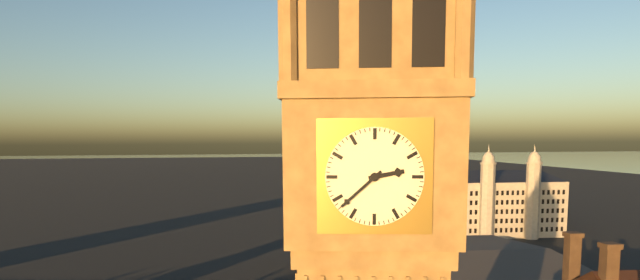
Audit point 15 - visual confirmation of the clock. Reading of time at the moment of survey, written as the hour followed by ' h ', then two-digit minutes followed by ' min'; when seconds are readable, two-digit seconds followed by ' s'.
2 h 38 min
